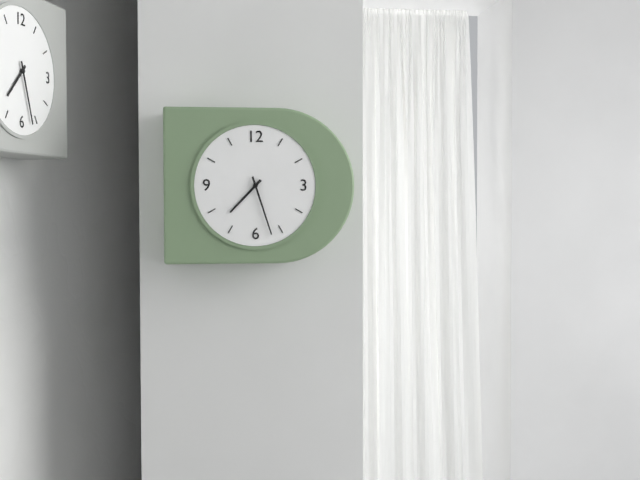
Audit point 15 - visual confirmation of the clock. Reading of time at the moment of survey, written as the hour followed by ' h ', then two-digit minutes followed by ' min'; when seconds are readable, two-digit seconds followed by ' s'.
7 h 27 min
